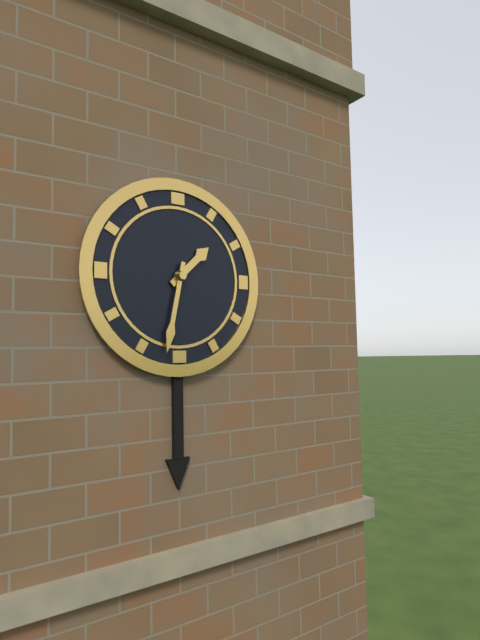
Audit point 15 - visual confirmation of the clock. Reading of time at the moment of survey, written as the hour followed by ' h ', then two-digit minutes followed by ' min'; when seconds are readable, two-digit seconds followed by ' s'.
1 h 32 min
